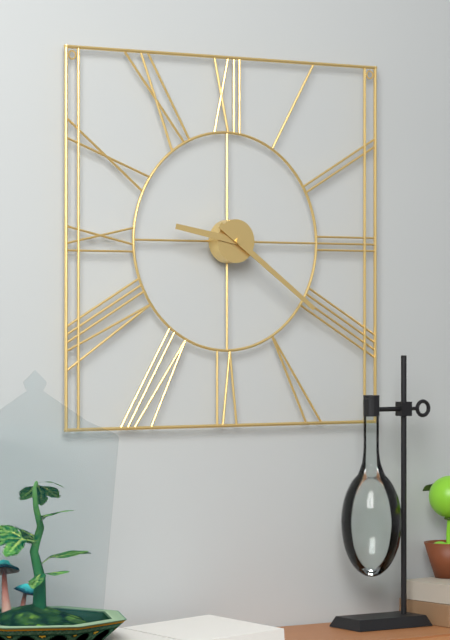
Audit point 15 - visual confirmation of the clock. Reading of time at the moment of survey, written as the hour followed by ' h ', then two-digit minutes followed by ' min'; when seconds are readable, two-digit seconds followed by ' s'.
9 h 21 min
